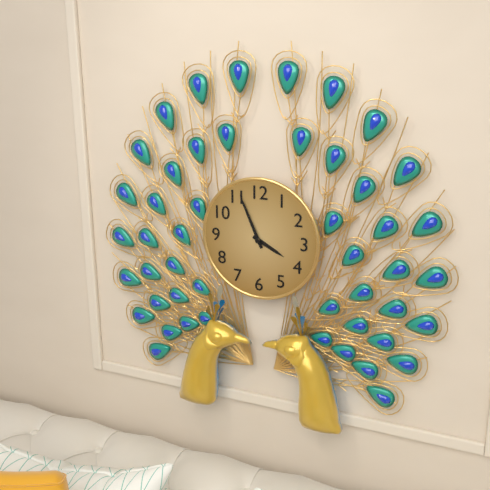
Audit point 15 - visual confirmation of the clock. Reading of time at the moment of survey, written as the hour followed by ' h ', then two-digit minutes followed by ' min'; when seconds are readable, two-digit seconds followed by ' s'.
3 h 56 min
